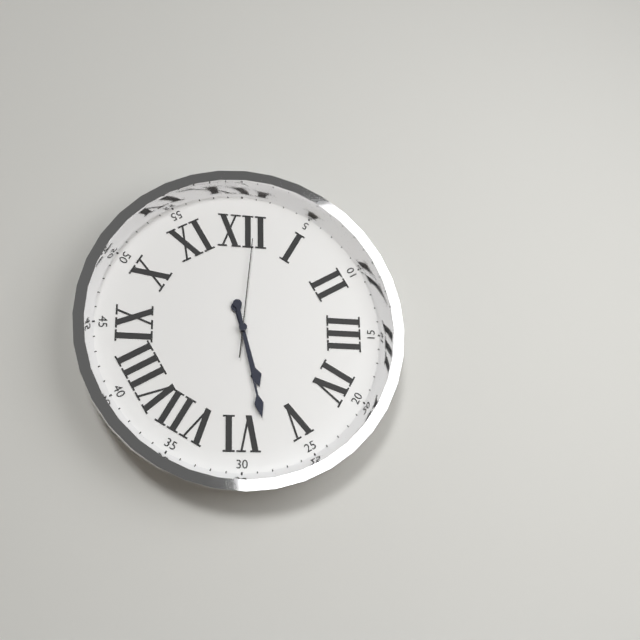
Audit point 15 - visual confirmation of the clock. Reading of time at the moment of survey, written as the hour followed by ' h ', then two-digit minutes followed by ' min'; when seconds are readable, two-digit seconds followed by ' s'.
5 h 28 min 01 s
